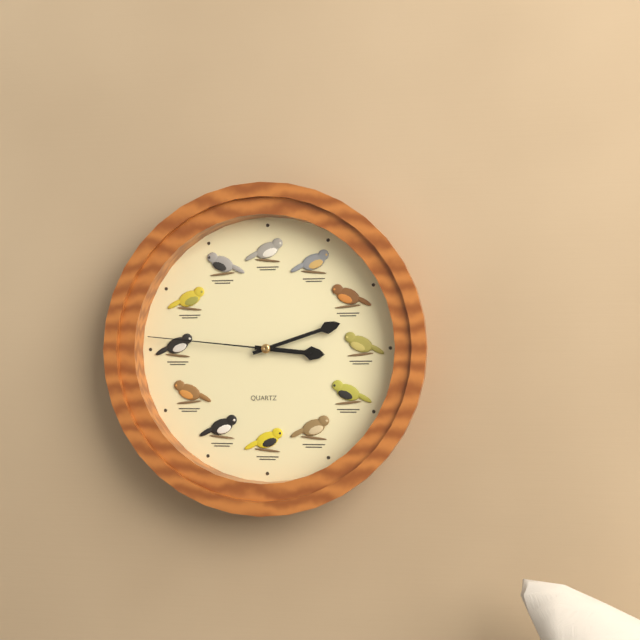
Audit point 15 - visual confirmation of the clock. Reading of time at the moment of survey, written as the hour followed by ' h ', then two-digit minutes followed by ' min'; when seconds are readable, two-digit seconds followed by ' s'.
3 h 12 min 46 s
